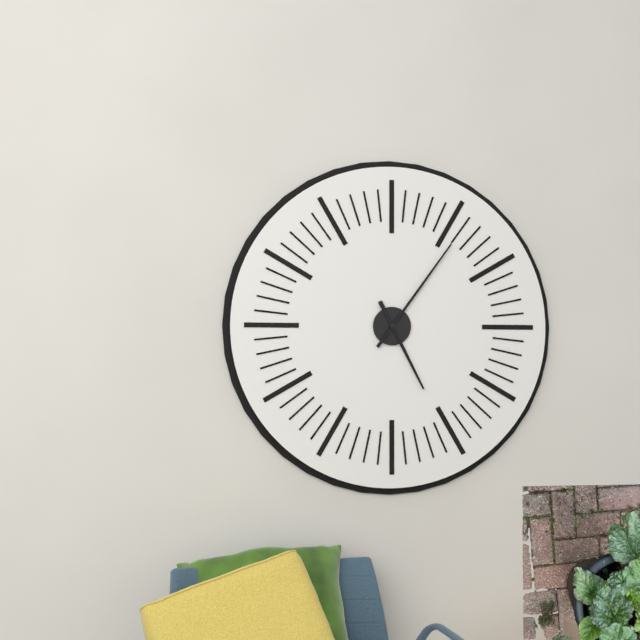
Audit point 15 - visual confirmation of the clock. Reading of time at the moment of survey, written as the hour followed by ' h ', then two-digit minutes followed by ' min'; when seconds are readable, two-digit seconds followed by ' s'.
5 h 06 min
